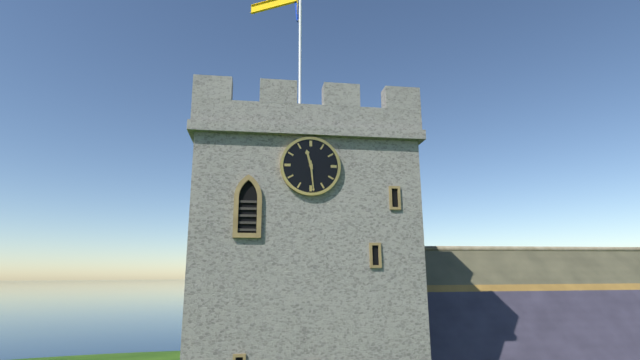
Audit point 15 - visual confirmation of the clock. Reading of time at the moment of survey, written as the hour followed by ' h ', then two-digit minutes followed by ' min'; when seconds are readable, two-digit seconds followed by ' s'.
11 h 29 min
